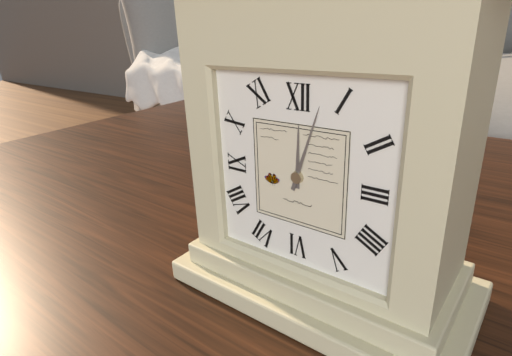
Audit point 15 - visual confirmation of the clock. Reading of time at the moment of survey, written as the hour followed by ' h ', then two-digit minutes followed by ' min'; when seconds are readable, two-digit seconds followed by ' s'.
12 h 03 min
